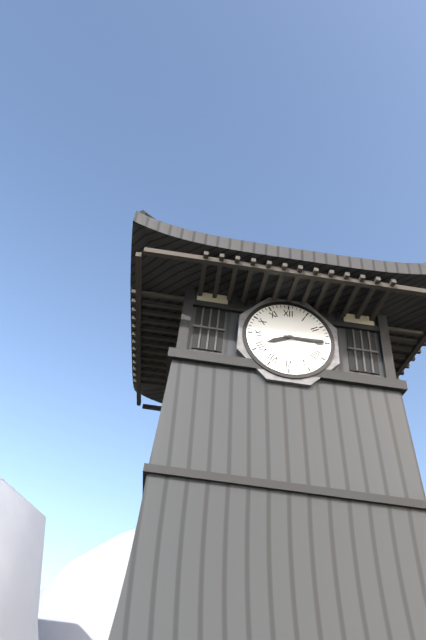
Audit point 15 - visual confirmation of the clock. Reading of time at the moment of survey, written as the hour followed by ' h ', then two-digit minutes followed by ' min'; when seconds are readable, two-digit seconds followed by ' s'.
8 h 15 min
